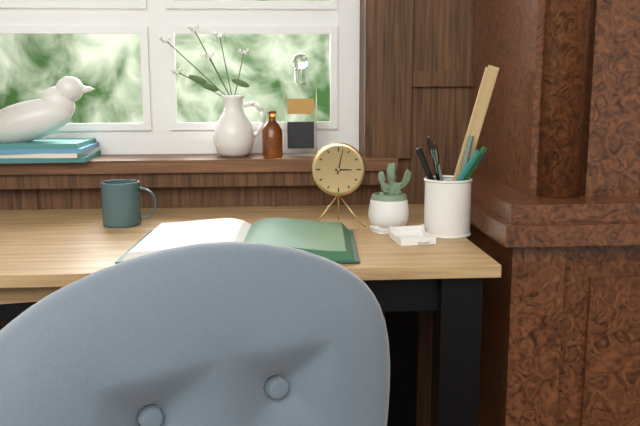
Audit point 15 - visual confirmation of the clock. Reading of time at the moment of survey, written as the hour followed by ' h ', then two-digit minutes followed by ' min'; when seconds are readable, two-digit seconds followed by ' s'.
3 h 02 min
